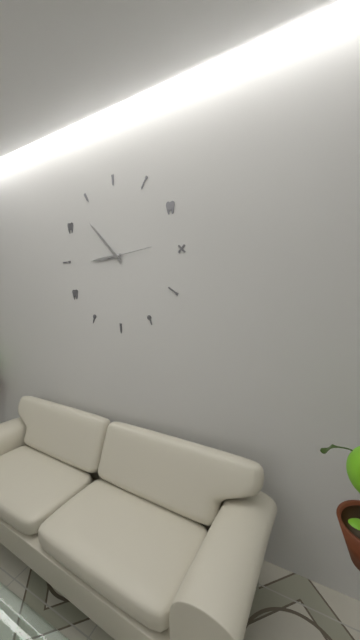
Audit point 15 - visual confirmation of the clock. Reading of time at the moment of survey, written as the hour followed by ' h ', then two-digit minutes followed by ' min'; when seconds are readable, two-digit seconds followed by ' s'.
8 h 53 min
